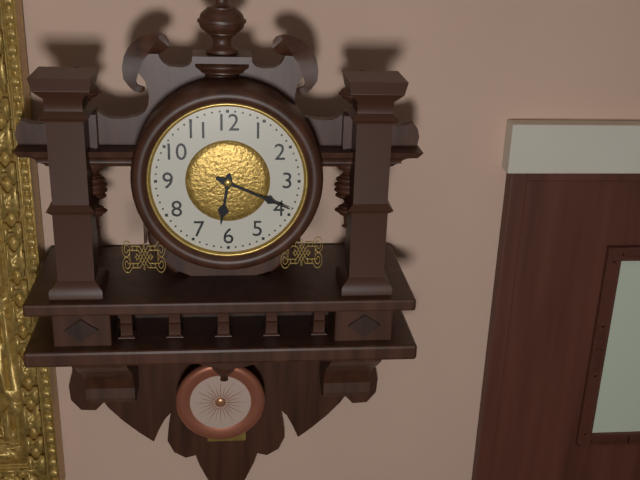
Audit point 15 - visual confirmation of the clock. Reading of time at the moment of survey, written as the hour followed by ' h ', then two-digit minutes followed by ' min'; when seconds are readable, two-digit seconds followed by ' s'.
6 h 19 min
